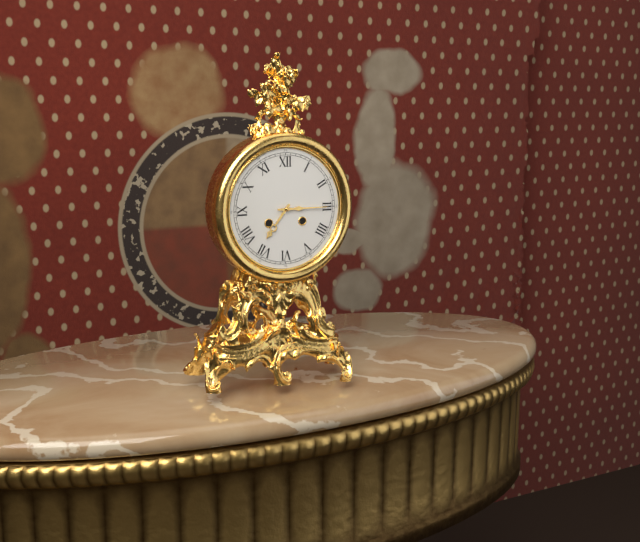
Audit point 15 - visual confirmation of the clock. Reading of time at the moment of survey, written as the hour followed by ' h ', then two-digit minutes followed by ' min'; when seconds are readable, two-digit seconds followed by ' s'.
7 h 15 min
